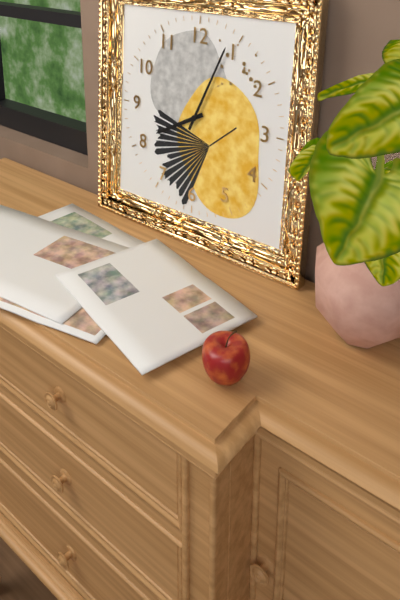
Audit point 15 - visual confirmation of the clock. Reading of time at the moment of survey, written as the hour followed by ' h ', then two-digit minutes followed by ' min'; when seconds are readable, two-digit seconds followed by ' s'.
8 h 04 min
